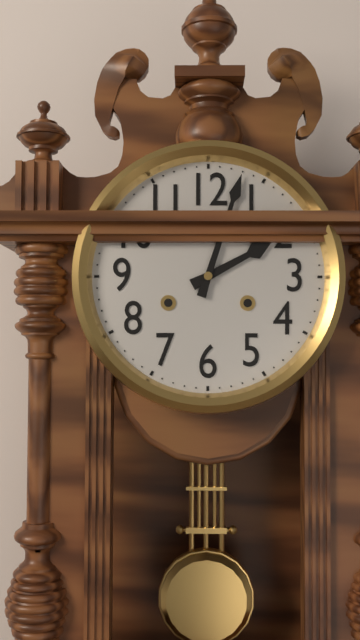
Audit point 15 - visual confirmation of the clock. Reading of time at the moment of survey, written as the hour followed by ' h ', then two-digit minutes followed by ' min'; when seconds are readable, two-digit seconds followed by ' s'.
2 h 03 min
